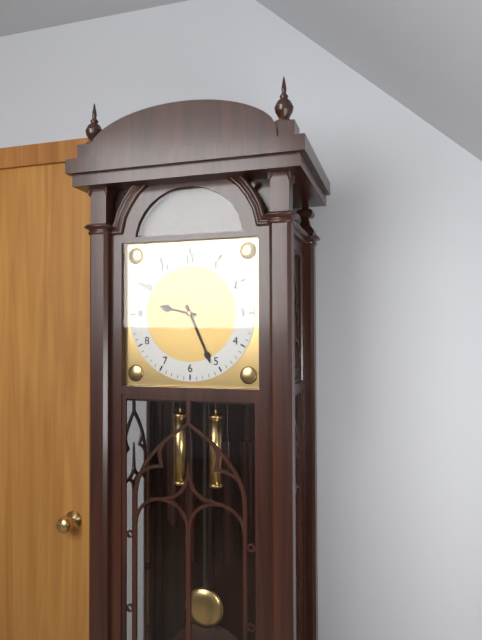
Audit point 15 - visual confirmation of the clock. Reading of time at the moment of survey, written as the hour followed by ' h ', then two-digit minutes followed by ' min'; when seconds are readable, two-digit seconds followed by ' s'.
9 h 26 min
